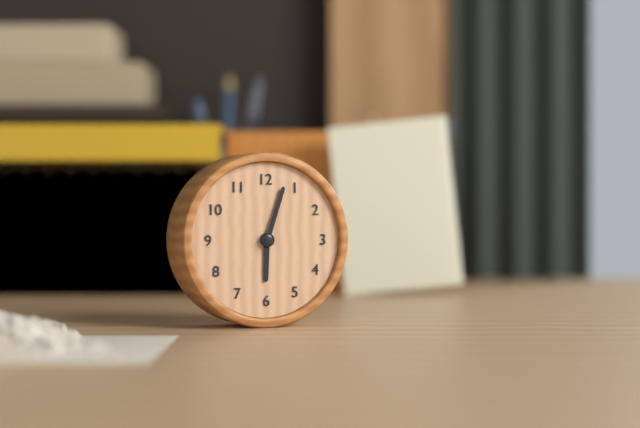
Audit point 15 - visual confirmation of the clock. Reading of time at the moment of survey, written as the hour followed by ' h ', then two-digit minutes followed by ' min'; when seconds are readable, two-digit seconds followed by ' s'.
6 h 03 min
